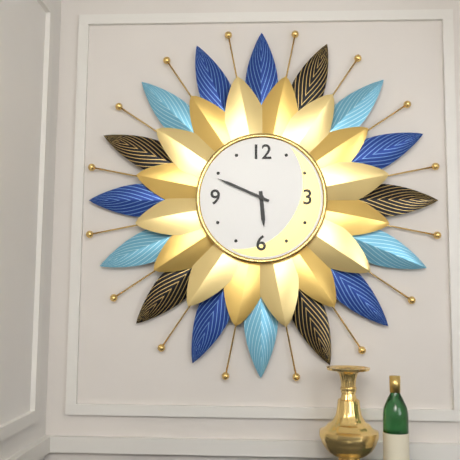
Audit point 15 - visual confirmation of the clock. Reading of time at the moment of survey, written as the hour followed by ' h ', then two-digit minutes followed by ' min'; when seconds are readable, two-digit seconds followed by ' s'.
5 h 49 min
